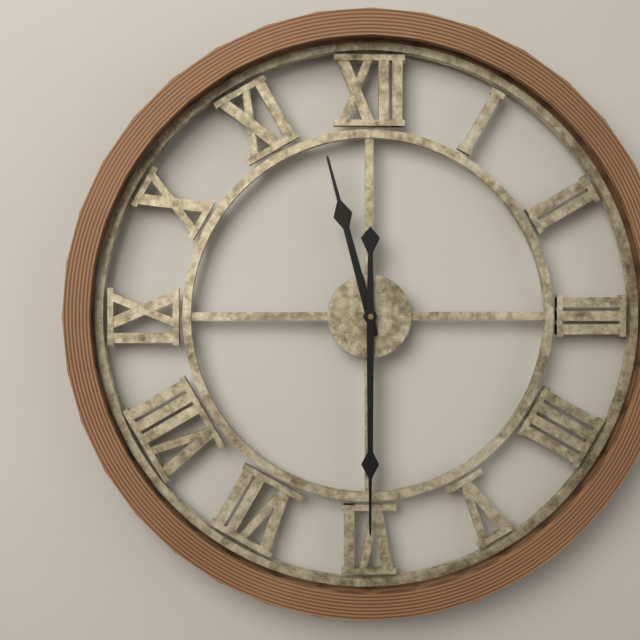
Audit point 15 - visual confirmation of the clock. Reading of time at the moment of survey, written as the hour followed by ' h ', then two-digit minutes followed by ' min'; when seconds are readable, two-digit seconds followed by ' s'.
11 h 30 min
